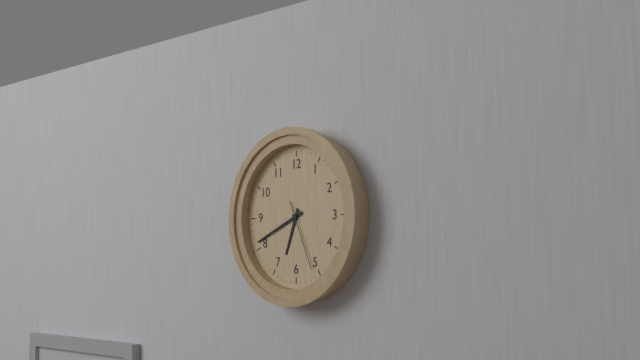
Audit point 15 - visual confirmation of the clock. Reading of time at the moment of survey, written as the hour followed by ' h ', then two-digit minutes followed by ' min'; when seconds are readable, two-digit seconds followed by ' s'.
6 h 41 min 26 s
